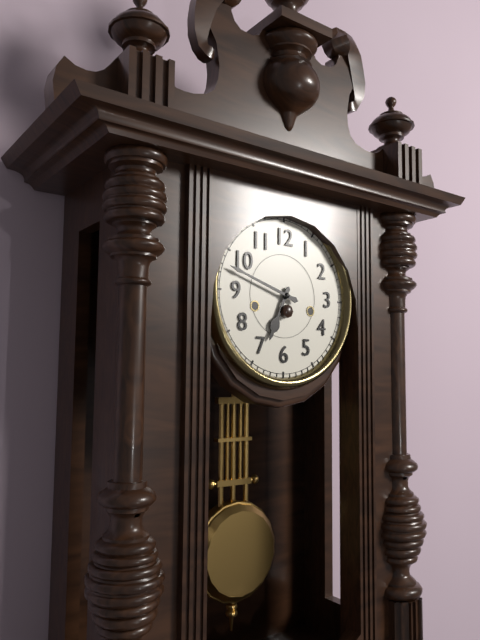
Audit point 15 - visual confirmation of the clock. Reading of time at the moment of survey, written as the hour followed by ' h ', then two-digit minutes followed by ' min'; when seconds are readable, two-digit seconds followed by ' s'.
6 h 48 min
